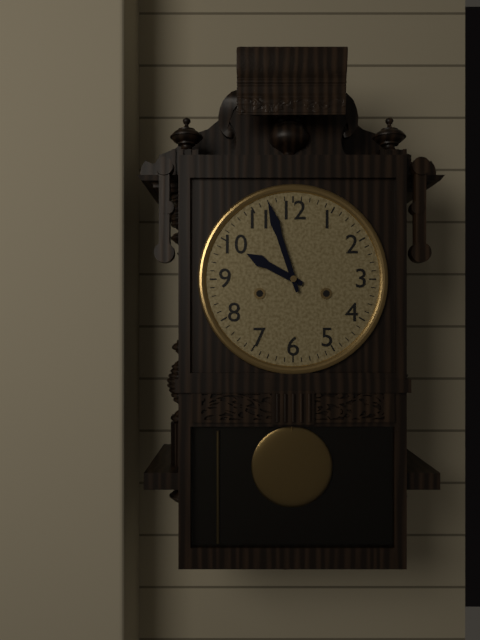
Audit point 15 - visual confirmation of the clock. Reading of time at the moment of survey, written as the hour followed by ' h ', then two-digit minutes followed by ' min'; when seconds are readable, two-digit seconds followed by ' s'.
9 h 57 min
